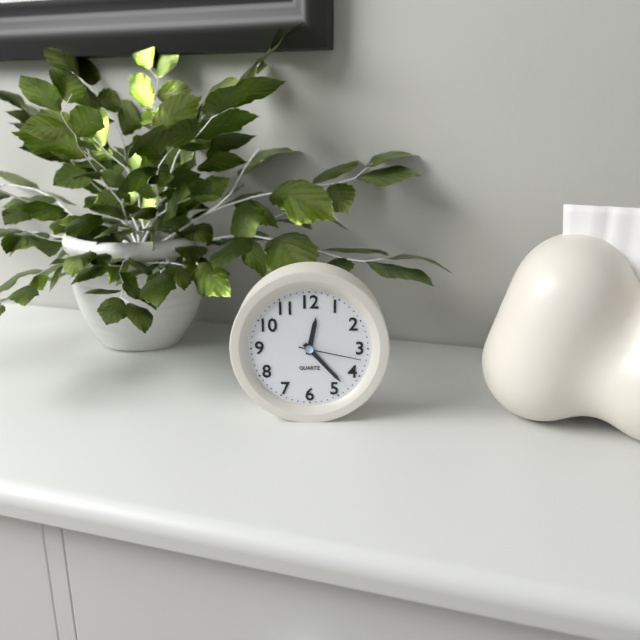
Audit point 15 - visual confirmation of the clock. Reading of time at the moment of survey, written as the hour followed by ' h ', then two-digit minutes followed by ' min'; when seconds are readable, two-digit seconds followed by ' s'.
12 h 23 min 17 s
